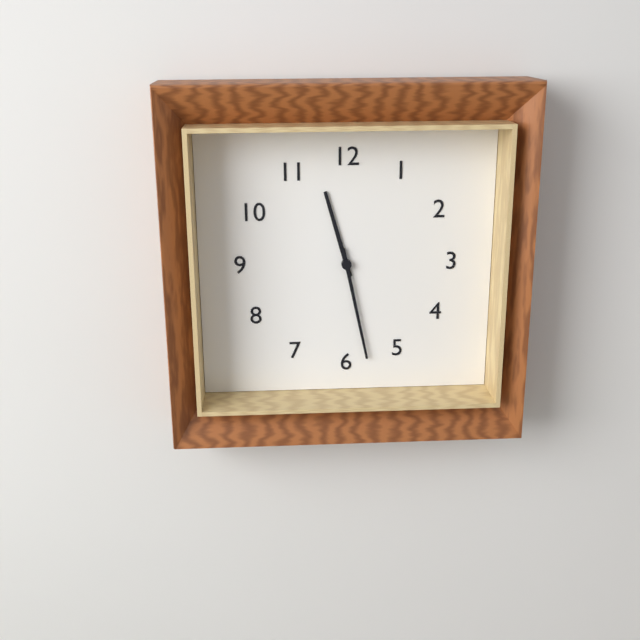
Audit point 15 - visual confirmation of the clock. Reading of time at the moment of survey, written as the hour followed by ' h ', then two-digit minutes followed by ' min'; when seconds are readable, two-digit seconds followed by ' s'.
11 h 28 min
